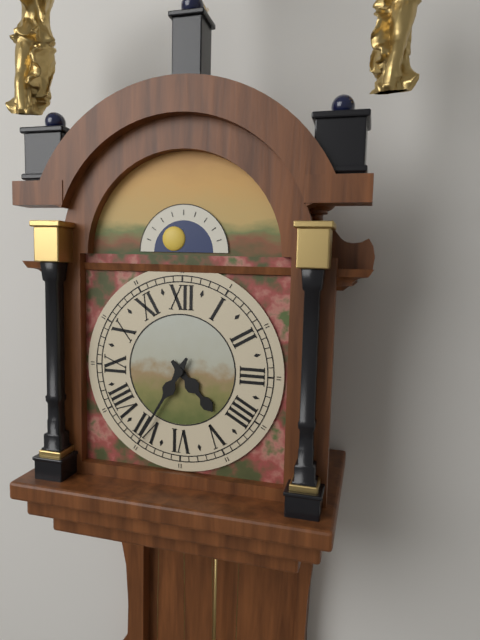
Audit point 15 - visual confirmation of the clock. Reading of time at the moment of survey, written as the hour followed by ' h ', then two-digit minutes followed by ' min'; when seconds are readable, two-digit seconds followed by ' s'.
4 h 35 min
